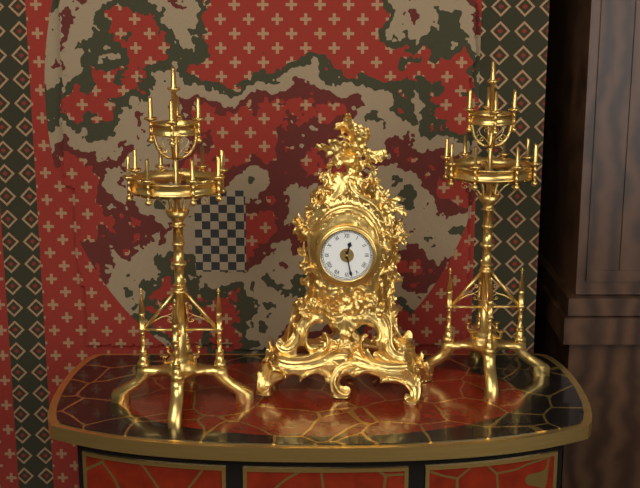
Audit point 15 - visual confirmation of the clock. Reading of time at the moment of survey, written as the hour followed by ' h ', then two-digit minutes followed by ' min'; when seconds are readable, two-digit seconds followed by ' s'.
12 h 28 min
